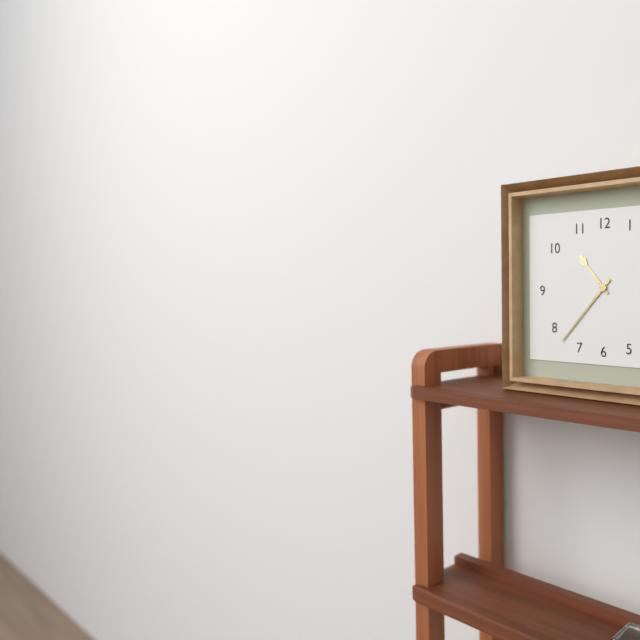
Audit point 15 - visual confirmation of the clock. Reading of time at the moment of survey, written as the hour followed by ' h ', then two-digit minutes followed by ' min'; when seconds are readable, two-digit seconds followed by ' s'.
10 h 37 min
